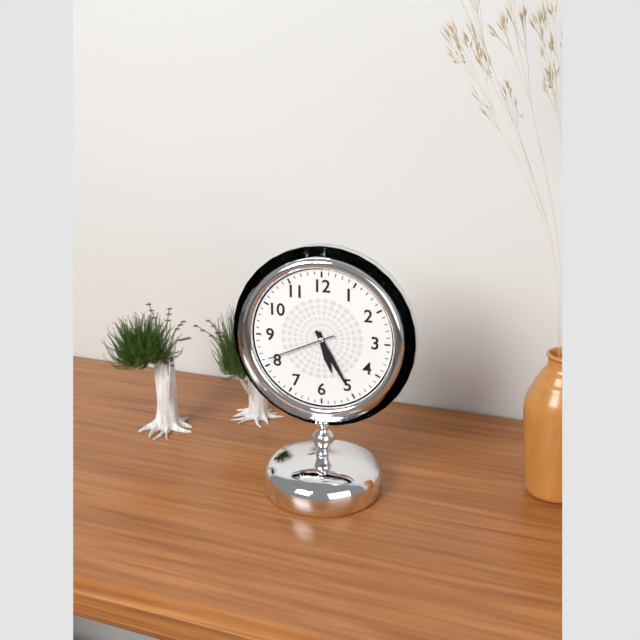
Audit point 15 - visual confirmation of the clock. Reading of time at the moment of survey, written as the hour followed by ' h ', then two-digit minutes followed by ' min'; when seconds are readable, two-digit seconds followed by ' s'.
5 h 25 min 41 s
